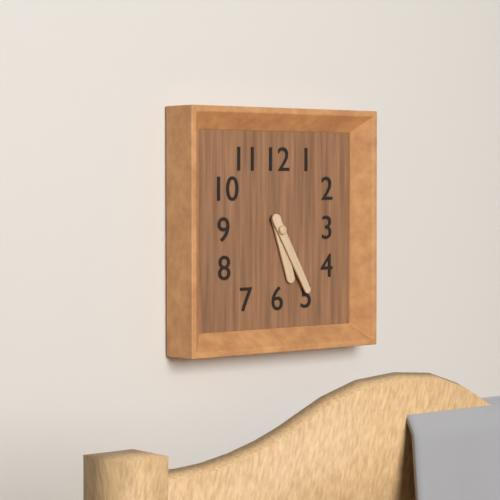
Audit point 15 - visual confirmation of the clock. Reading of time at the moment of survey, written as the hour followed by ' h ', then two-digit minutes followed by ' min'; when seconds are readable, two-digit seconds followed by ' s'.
5 h 25 min
